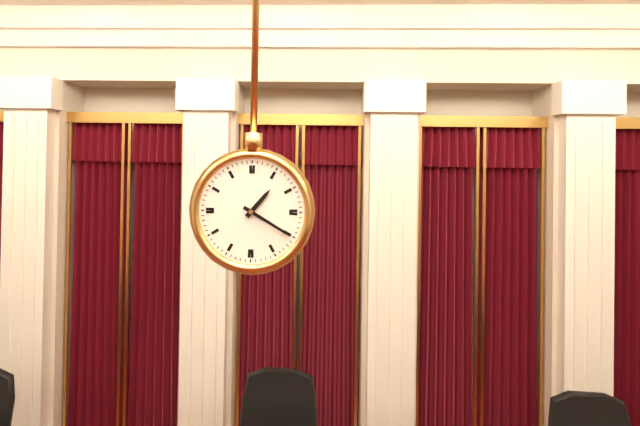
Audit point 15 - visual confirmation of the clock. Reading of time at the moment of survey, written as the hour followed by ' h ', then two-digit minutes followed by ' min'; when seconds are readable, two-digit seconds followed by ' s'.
1 h 20 min
